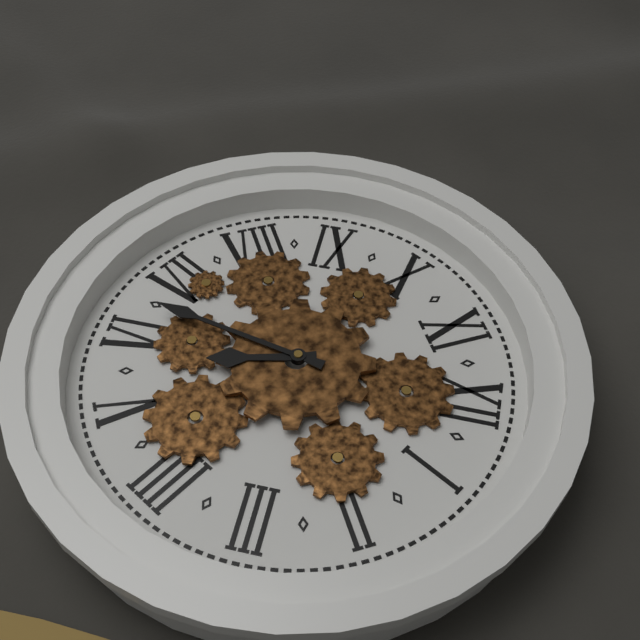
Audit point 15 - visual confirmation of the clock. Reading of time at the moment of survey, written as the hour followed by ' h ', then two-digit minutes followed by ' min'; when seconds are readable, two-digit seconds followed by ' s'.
5 h 32 min
